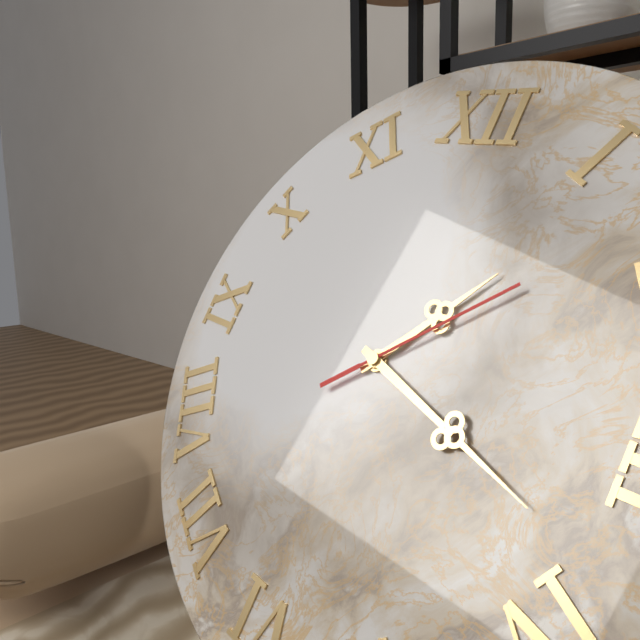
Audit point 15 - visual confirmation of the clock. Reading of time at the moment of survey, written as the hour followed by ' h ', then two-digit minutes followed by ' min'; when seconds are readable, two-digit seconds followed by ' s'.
1 h 18 min 08 s
